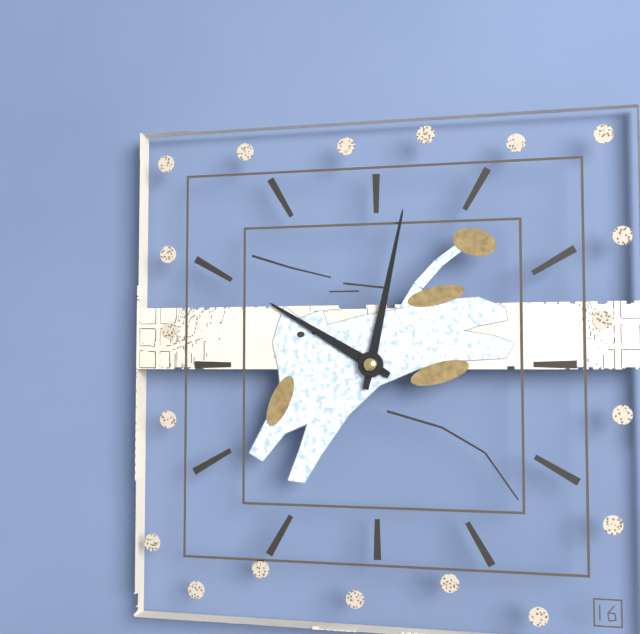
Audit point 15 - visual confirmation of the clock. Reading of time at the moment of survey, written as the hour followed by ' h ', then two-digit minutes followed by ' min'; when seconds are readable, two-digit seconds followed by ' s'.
10 h 02 min
